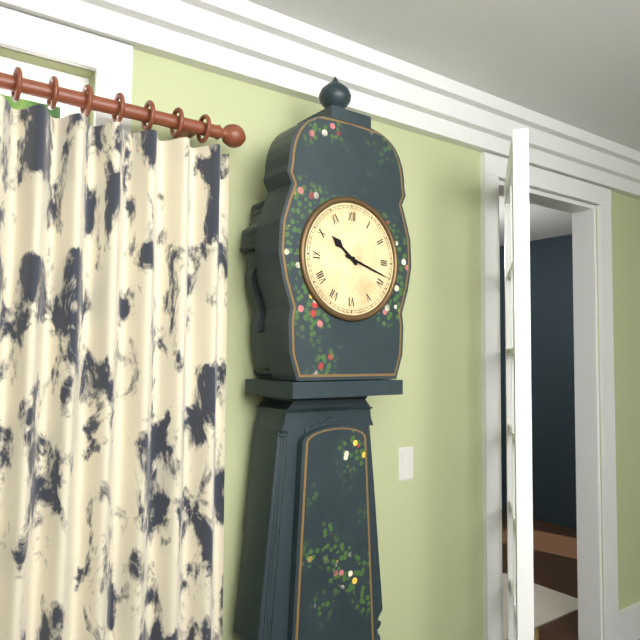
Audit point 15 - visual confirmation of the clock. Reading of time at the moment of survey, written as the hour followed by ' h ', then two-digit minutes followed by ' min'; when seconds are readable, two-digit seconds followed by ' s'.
10 h 18 min
